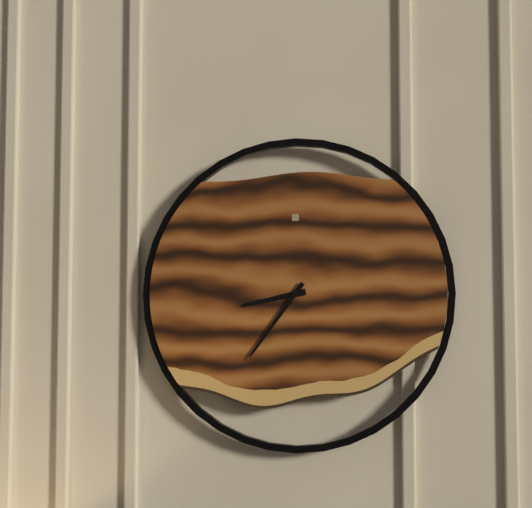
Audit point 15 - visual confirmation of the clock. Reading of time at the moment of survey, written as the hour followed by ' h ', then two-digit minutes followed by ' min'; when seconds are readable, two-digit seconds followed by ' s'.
8 h 36 min
